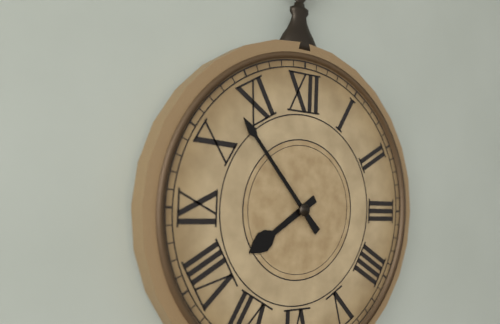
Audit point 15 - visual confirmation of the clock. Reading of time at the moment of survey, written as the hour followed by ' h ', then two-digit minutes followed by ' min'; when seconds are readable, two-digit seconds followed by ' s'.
7 h 53 min
